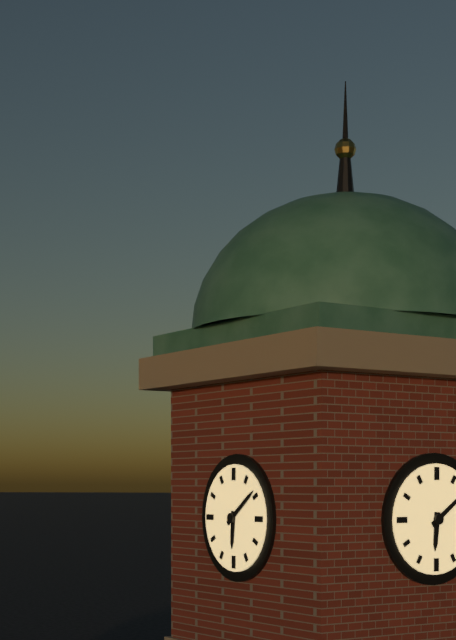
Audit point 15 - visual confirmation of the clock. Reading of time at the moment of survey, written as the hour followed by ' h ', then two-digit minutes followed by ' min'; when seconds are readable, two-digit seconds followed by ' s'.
6 h 09 min
